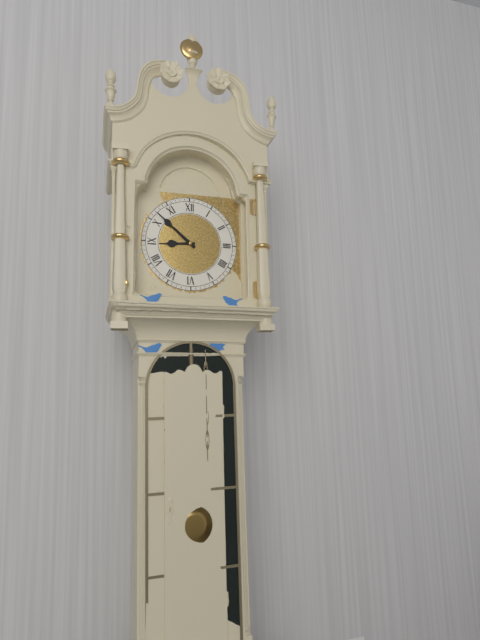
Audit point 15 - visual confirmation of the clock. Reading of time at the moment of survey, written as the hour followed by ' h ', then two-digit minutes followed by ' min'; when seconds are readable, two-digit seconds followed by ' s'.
8 h 52 min
